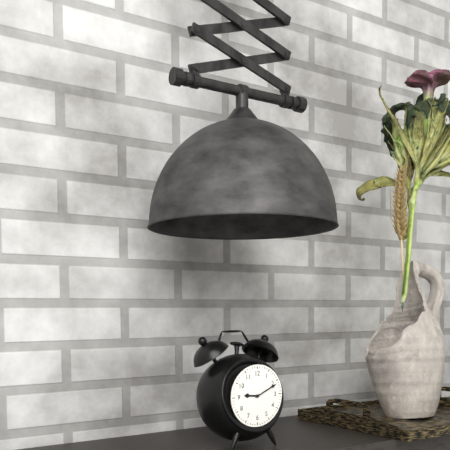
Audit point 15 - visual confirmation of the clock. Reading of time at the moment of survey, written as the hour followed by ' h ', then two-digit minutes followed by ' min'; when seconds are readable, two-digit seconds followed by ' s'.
9 h 11 min
